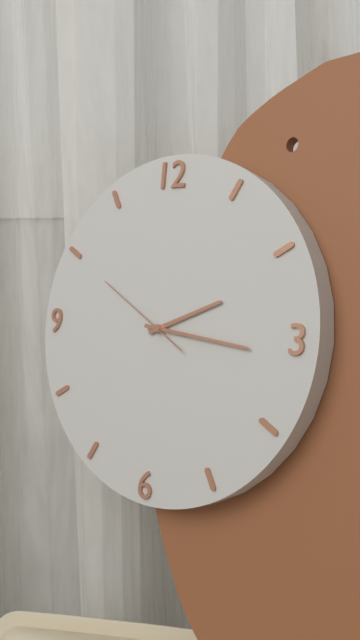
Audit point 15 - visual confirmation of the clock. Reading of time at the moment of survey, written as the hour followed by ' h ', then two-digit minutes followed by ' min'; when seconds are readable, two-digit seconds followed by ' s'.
2 h 16 min 50 s
